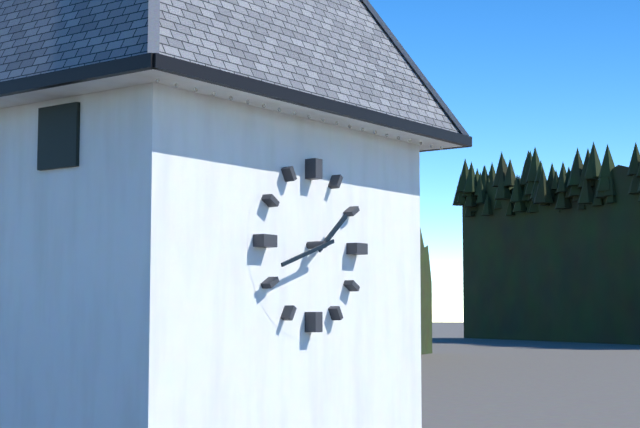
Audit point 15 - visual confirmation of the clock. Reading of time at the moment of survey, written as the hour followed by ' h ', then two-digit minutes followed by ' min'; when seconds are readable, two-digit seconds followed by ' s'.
1 h 42 min
